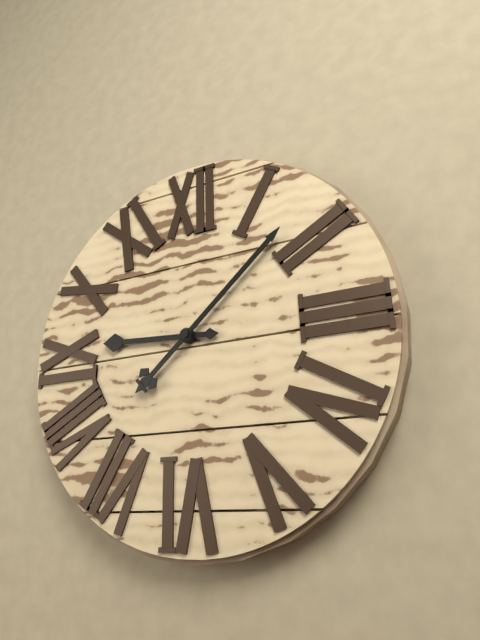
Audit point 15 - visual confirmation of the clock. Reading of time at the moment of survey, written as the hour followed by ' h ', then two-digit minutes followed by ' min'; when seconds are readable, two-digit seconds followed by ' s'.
9 h 08 min
